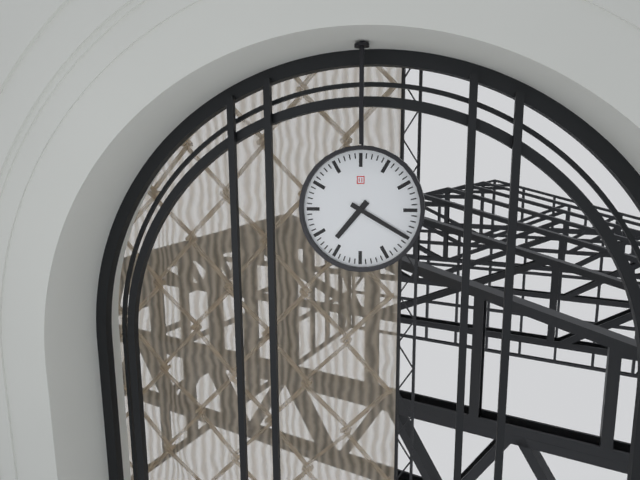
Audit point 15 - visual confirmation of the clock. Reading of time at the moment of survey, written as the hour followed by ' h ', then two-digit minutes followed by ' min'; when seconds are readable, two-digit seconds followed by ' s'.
7 h 20 min
